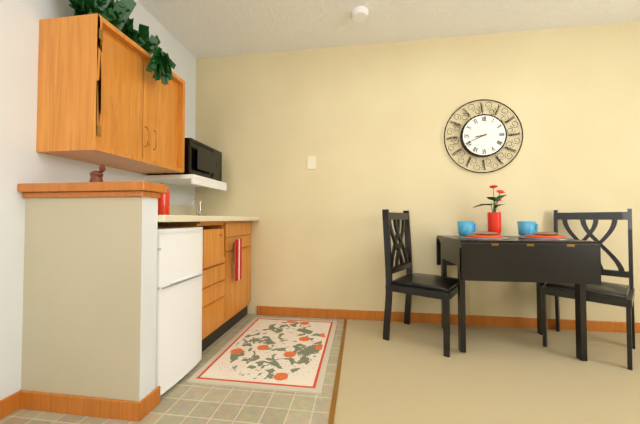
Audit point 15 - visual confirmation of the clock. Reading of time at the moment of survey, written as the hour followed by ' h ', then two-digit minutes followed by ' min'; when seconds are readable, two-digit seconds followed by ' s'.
8 h 41 min
